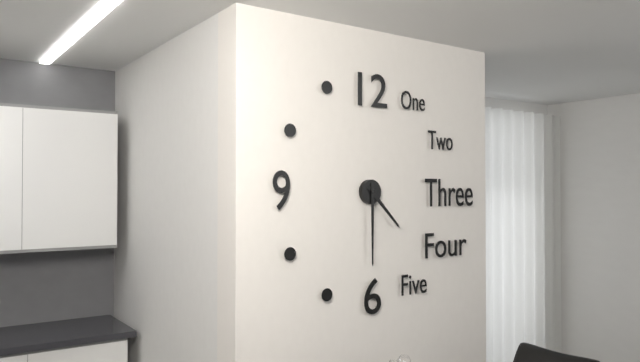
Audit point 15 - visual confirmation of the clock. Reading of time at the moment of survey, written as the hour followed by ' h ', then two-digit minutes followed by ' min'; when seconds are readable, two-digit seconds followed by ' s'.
4 h 30 min
